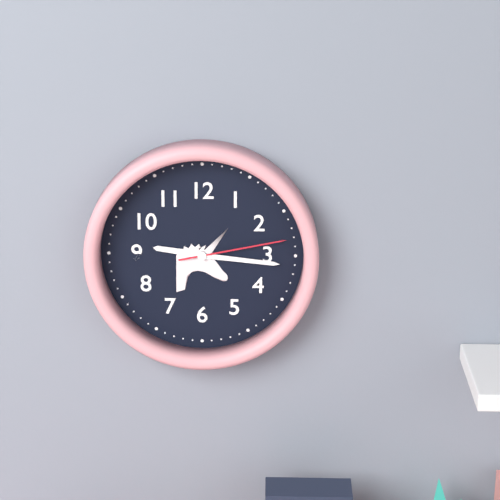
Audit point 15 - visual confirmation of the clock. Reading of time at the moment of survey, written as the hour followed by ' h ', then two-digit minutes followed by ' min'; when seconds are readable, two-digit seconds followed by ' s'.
9 h 16 min 13 s
